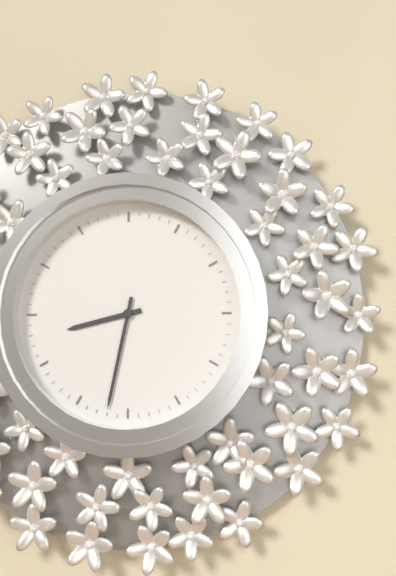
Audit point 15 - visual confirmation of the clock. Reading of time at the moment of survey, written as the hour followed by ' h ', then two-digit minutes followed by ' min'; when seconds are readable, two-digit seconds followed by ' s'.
8 h 32 min
